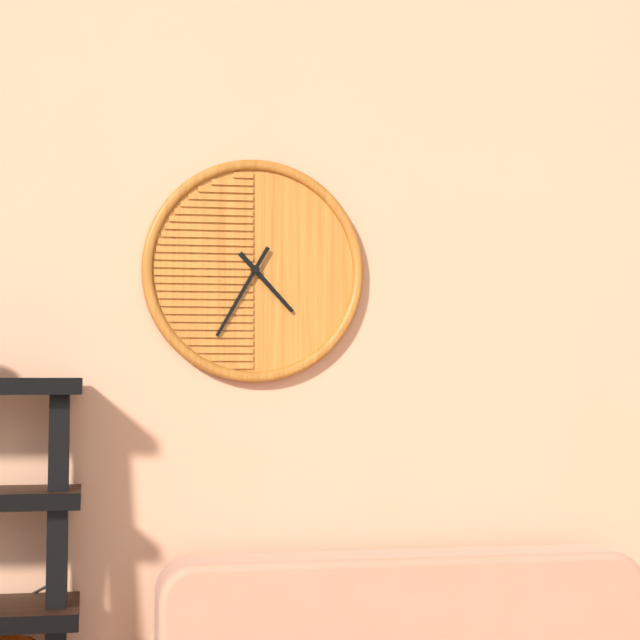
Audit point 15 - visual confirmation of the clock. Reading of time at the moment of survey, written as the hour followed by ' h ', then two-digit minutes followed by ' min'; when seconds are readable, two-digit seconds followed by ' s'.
4 h 35 min
